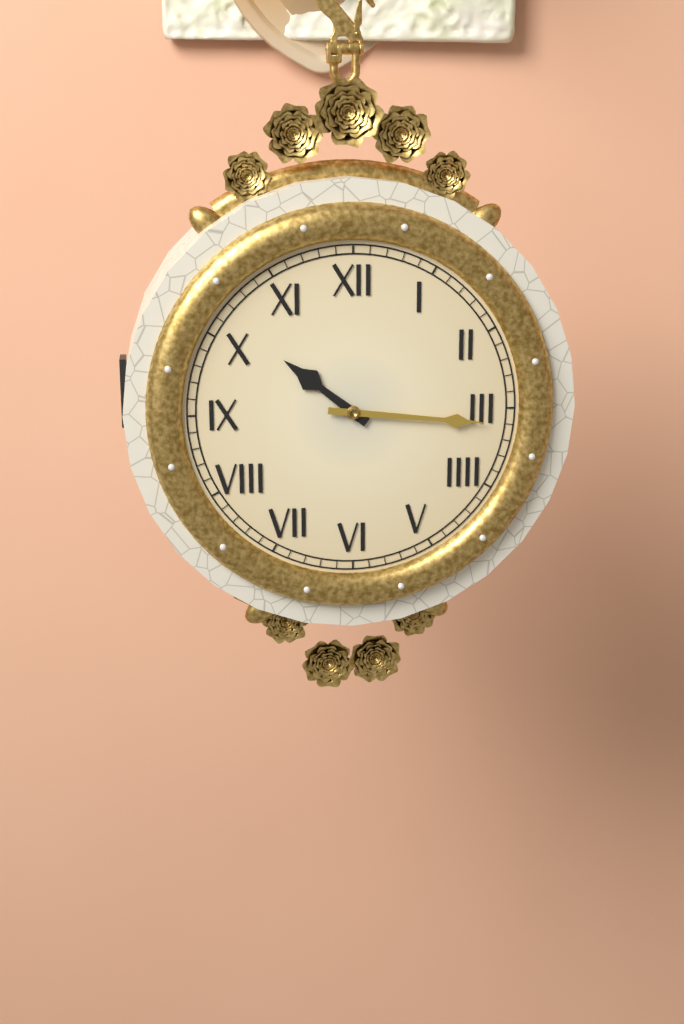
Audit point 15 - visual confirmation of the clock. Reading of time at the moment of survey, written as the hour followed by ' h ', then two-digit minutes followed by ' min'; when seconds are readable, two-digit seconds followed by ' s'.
10 h 16 min
